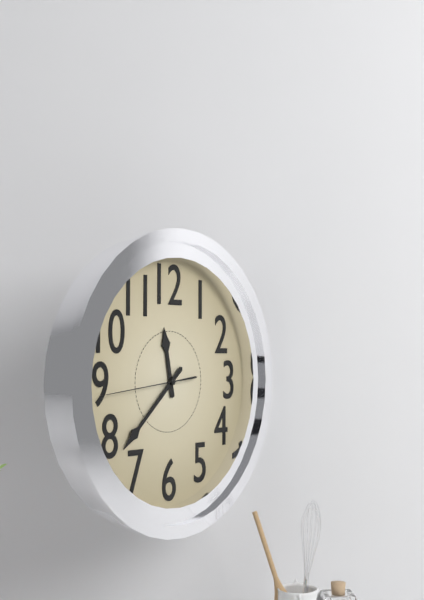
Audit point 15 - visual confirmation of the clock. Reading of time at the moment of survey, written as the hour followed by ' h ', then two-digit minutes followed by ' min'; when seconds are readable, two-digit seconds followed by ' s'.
11 h 38 min 44 s
